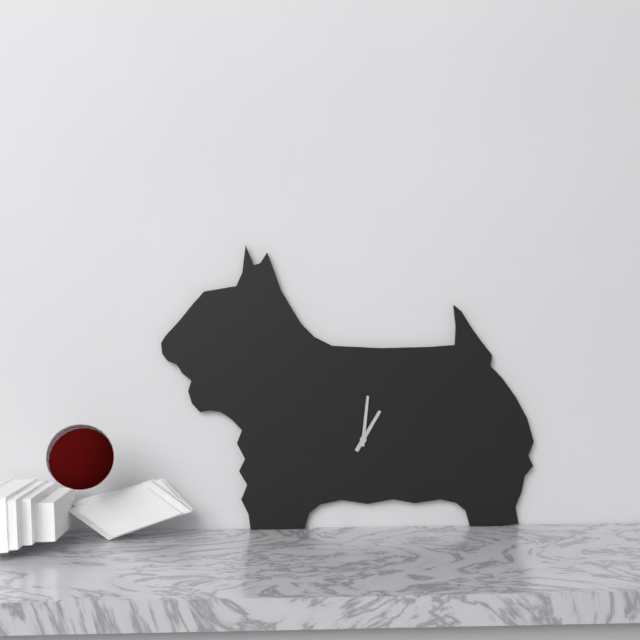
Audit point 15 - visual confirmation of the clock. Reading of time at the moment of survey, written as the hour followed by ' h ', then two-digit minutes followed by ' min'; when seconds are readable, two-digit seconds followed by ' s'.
1 h 01 min
